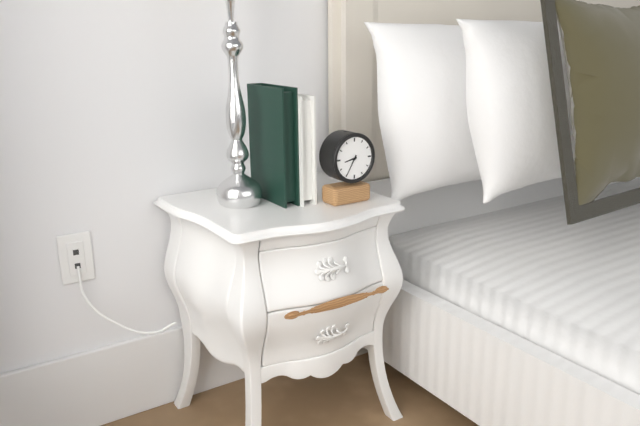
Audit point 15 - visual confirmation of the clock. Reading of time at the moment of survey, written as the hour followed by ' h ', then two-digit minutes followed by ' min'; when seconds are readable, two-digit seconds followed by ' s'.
8 h 35 min
